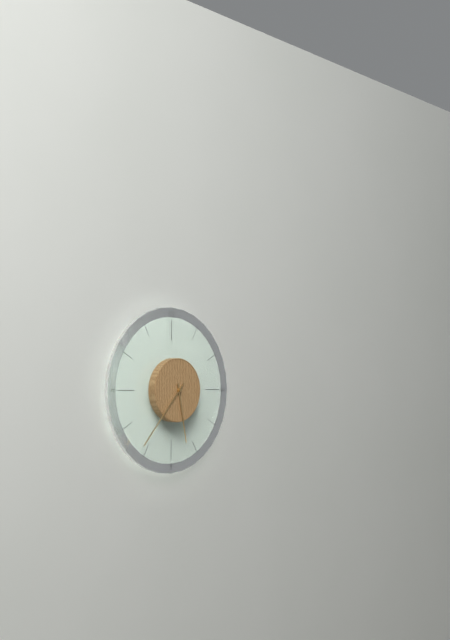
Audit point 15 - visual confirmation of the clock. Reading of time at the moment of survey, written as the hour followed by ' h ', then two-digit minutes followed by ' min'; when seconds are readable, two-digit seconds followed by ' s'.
5 h 37 min
